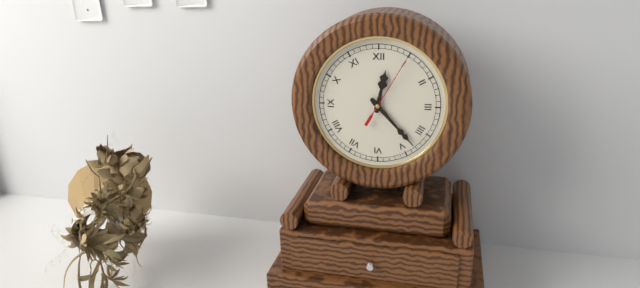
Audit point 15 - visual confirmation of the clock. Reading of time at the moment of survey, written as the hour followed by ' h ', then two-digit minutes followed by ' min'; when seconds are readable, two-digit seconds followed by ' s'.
12 h 23 min 05 s
